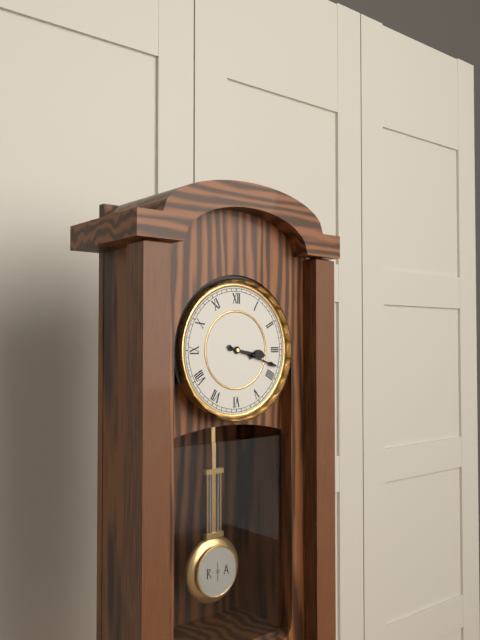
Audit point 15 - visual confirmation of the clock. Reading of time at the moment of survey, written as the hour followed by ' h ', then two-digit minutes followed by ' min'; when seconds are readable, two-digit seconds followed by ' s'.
3 h 18 min
